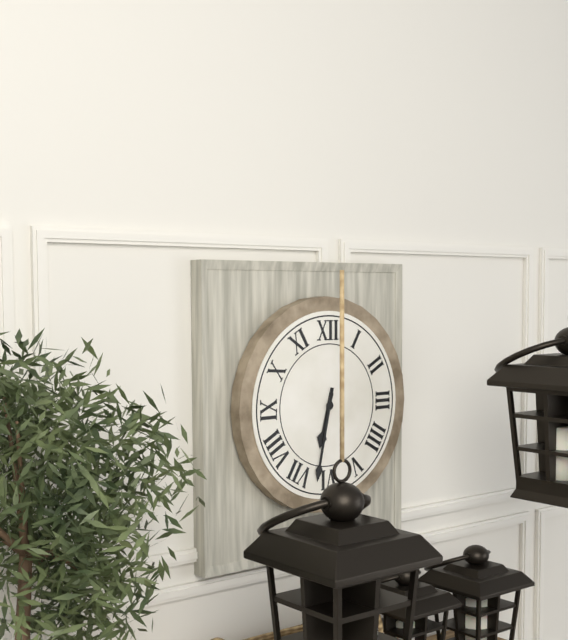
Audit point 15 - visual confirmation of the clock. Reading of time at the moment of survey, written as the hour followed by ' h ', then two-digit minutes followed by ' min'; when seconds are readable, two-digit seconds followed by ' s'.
6 h 32 min
